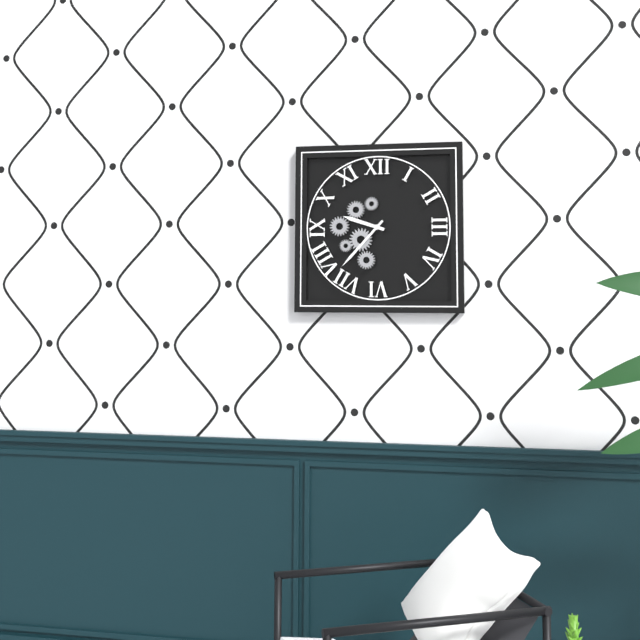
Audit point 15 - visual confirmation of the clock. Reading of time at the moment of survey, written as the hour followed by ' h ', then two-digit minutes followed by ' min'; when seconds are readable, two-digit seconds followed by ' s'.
9 h 37 min
